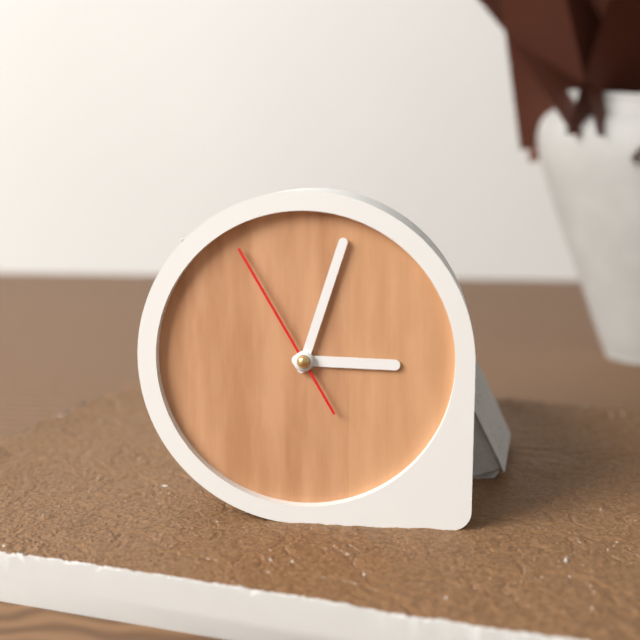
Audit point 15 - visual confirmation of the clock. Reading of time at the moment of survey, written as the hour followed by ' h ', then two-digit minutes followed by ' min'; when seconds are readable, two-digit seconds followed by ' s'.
3 h 03 min 55 s
